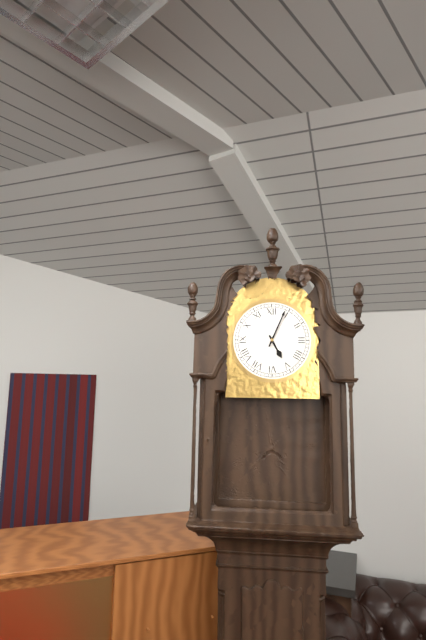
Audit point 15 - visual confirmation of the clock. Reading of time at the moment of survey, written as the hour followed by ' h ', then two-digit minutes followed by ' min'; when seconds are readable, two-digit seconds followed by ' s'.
5 h 04 min
